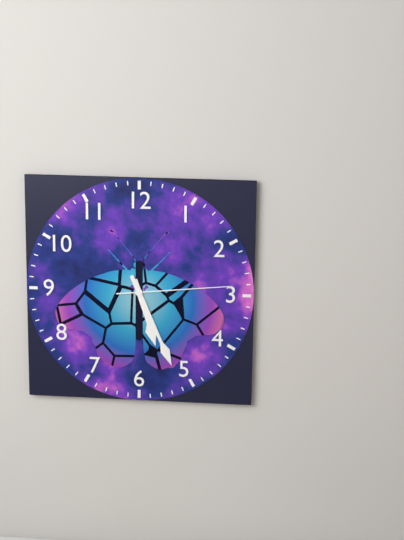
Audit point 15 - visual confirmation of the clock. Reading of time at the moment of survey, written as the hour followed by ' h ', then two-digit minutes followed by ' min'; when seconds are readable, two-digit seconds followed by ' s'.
5 h 26 min 14 s
